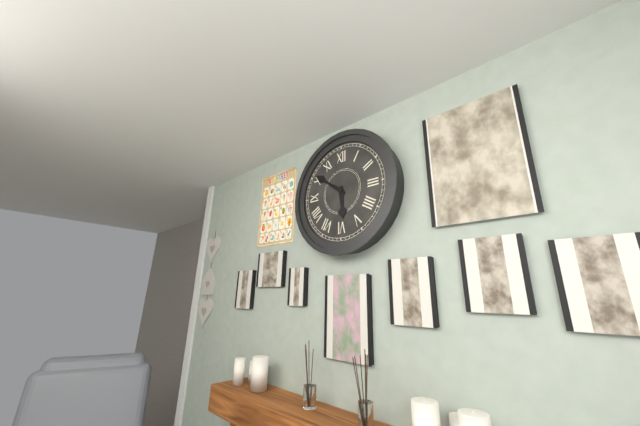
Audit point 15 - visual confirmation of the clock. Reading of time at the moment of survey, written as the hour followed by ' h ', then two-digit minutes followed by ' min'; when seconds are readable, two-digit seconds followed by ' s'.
5 h 51 min
